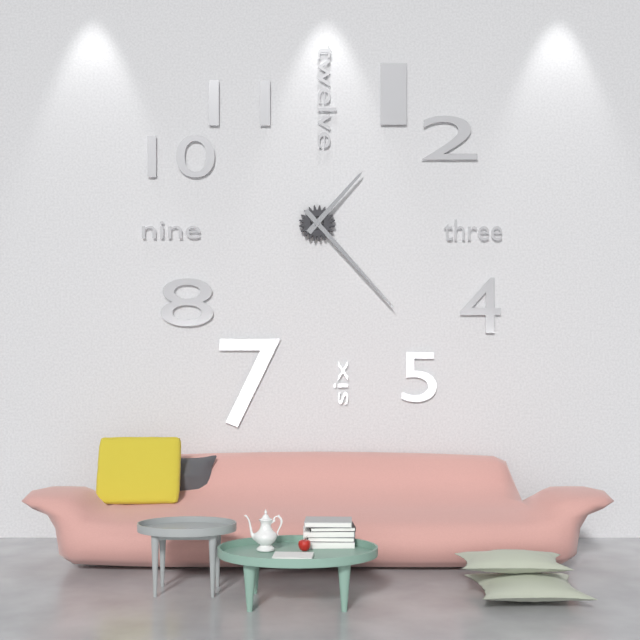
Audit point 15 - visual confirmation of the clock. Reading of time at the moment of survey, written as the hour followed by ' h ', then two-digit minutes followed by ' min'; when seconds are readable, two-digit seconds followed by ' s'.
1 h 23 min
